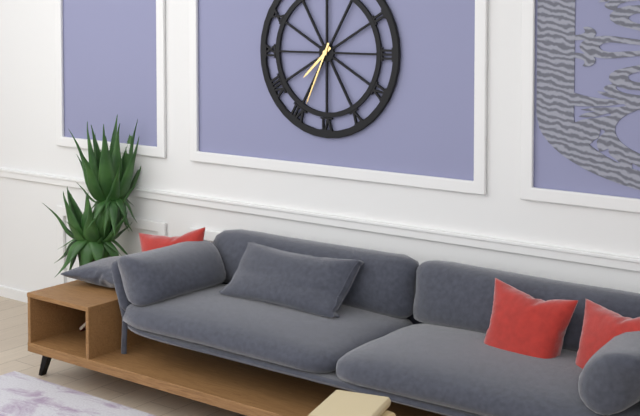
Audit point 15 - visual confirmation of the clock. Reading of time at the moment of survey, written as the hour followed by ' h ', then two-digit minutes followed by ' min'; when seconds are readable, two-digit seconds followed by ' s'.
7 h 34 min
